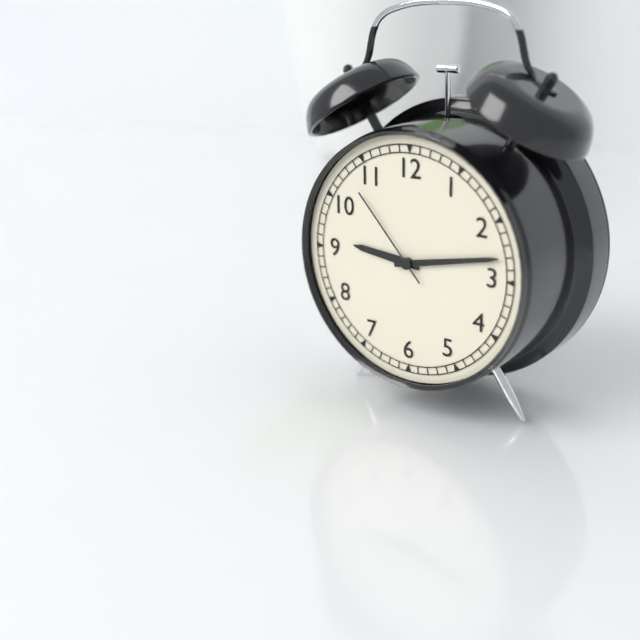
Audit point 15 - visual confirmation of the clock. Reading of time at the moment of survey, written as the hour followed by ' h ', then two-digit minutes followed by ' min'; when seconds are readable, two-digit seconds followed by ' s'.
9 h 13 min 53 s
